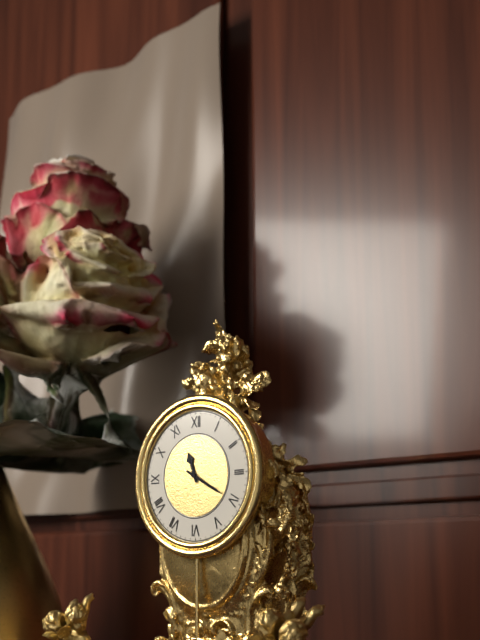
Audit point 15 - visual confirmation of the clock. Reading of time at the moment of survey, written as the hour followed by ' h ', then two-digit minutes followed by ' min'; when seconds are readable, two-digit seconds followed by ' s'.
11 h 20 min
